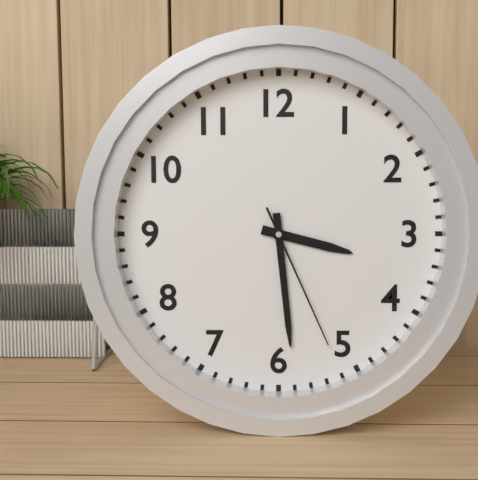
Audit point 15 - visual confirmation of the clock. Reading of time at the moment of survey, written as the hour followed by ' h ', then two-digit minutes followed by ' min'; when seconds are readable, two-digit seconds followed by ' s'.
3 h 29 min 26 s
